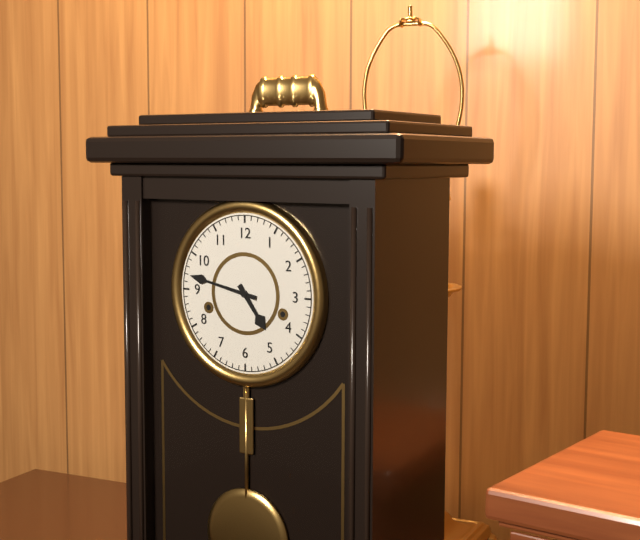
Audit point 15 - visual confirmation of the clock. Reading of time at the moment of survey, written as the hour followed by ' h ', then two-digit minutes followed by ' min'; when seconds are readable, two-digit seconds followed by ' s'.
4 h 47 min
